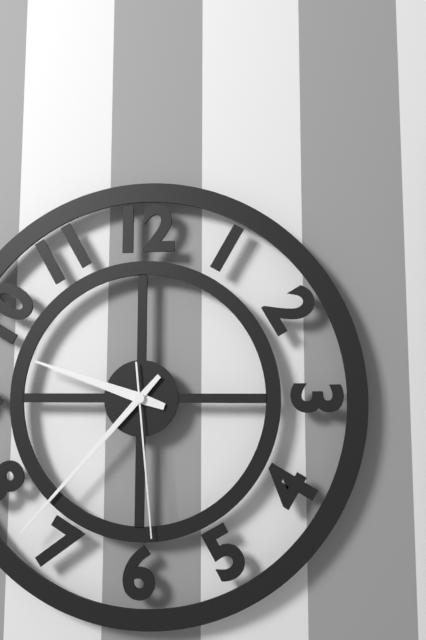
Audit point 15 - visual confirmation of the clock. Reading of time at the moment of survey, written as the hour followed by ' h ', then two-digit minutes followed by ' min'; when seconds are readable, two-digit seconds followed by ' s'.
9 h 37 min 29 s
